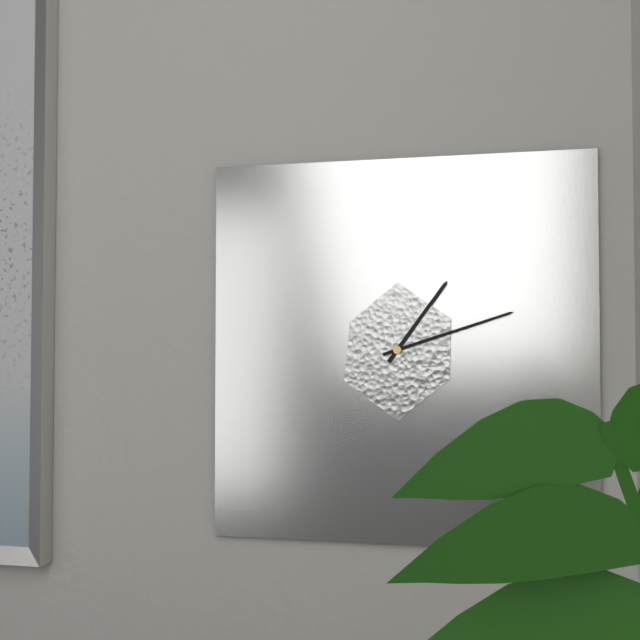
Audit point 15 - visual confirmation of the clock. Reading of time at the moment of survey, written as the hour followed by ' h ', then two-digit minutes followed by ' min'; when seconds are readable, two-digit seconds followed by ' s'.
1 h 12 min
